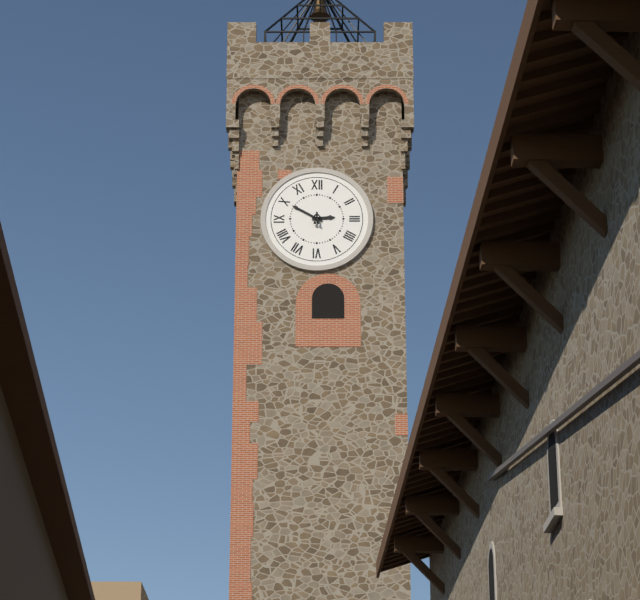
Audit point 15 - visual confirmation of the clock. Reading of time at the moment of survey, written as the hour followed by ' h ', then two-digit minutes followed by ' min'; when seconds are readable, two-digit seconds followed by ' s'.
2 h 50 min
